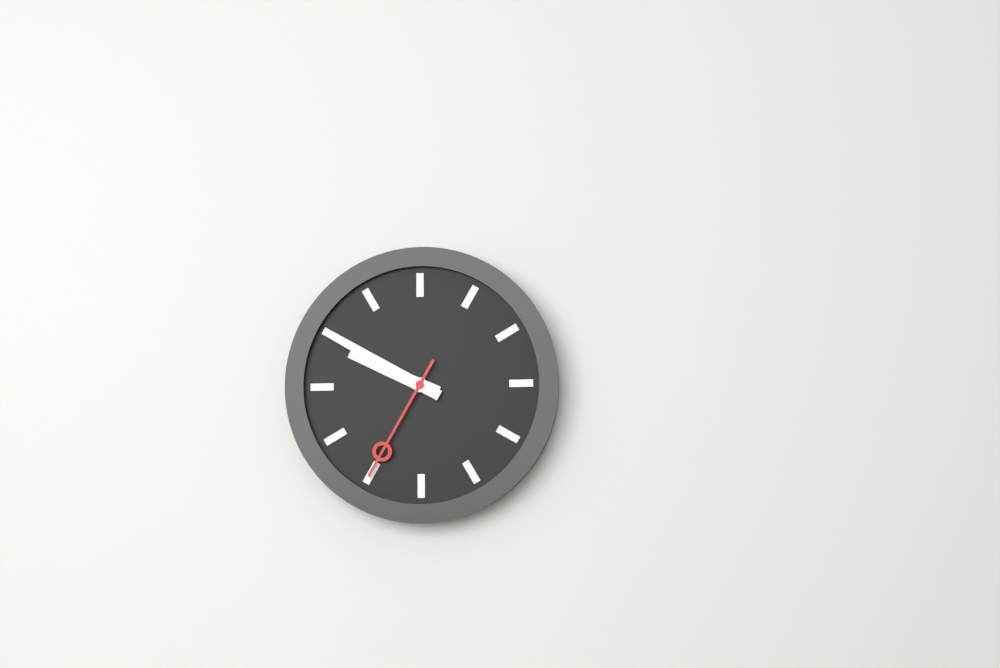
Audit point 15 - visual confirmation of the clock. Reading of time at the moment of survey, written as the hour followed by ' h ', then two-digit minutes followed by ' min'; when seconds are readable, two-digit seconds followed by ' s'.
9 h 50 min 35 s
